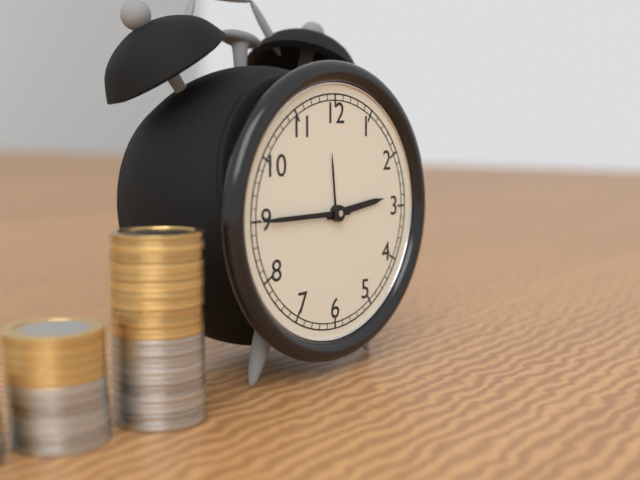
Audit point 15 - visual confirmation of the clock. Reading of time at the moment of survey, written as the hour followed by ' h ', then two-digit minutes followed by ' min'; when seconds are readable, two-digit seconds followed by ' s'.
2 h 45 min
